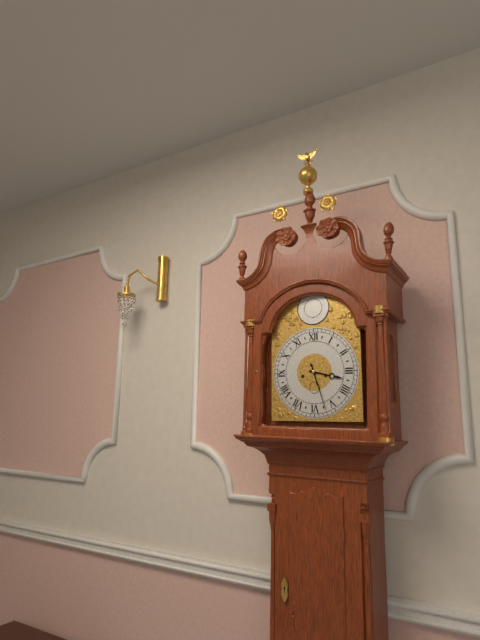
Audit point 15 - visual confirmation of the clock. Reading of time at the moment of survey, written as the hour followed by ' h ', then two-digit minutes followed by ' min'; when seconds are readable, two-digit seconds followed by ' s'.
3 h 27 min
